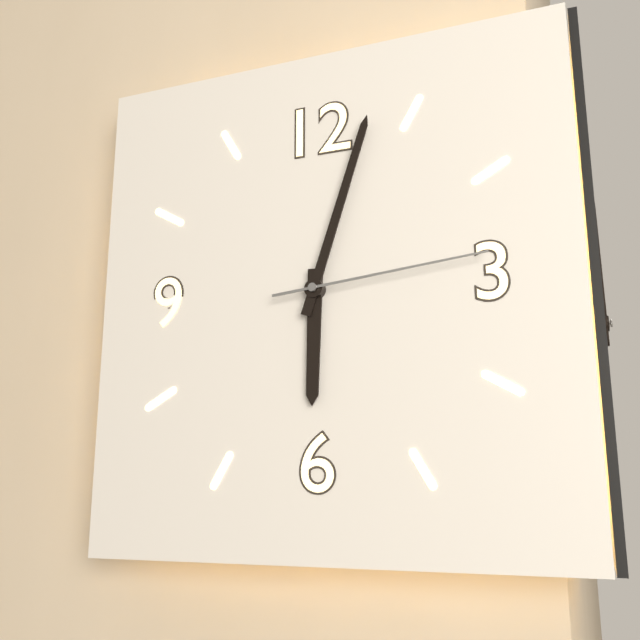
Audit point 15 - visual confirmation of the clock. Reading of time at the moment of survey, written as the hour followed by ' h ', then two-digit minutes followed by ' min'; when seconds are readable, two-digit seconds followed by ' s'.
6 h 03 min 14 s
